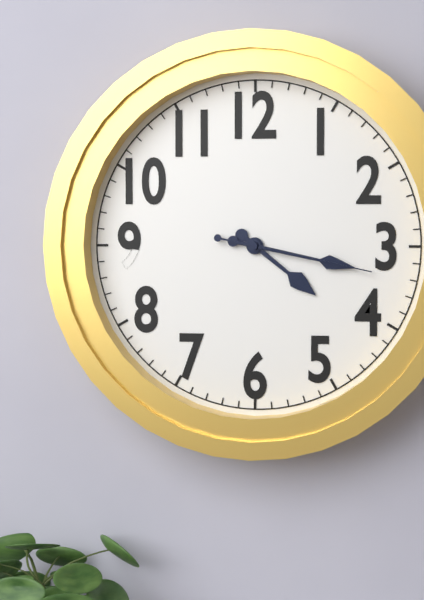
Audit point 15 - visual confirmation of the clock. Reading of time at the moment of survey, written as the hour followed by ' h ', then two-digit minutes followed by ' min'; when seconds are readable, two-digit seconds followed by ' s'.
4 h 17 min 17 s
